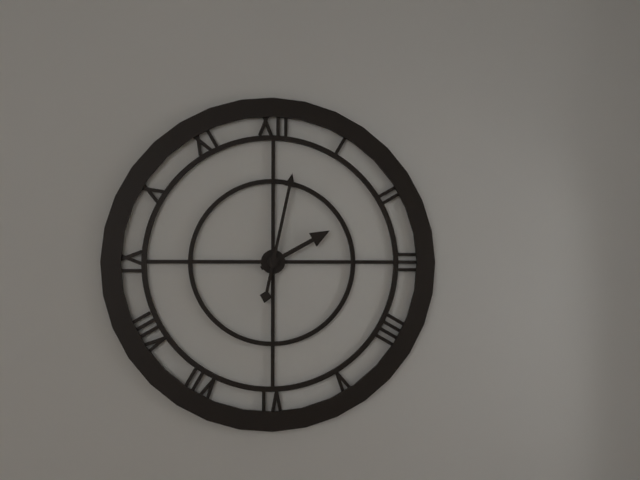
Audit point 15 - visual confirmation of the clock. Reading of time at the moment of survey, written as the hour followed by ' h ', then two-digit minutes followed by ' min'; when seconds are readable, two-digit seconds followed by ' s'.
2 h 02 min
